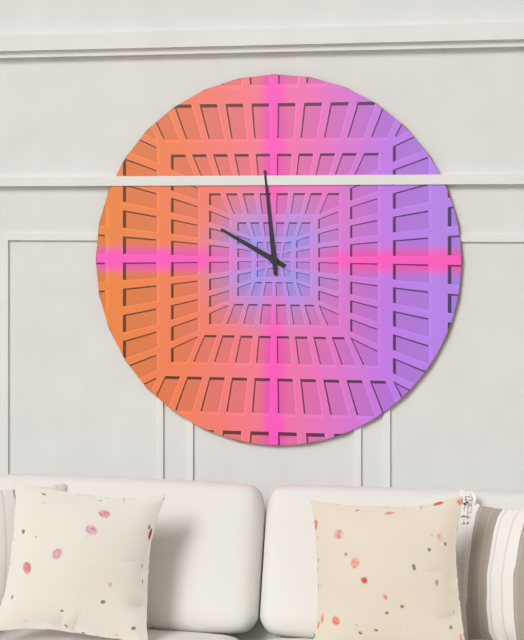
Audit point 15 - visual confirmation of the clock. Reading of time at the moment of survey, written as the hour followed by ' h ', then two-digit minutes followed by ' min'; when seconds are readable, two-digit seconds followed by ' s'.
9 h 59 min
